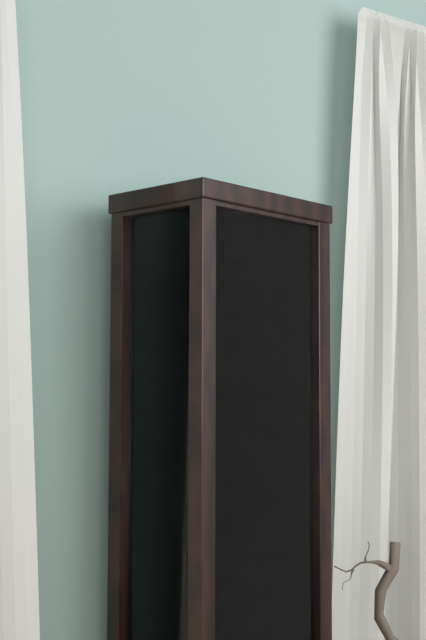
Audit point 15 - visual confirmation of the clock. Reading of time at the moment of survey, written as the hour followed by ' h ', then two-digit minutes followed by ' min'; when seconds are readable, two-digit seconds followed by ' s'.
8 h 16 min
